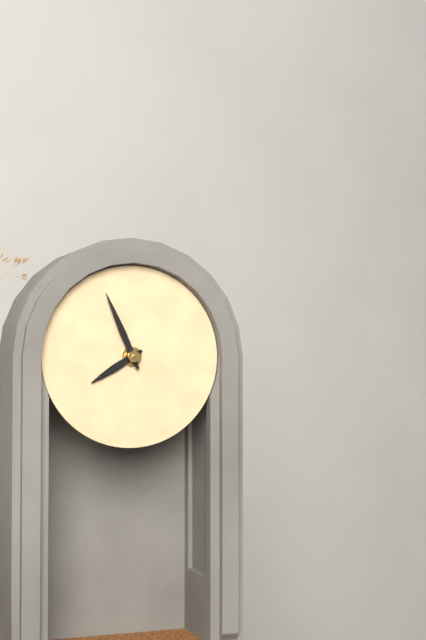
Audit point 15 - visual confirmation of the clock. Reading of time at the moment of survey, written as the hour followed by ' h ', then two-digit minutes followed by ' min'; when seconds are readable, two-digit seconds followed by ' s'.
7 h 56 min
